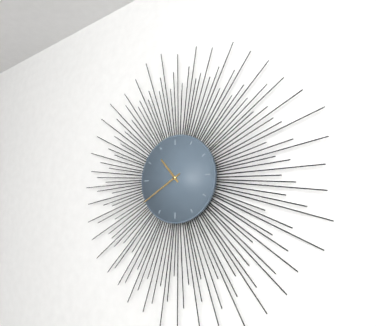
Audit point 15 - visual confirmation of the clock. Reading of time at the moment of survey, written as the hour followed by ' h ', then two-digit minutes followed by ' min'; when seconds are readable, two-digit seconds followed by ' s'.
10 h 40 min
